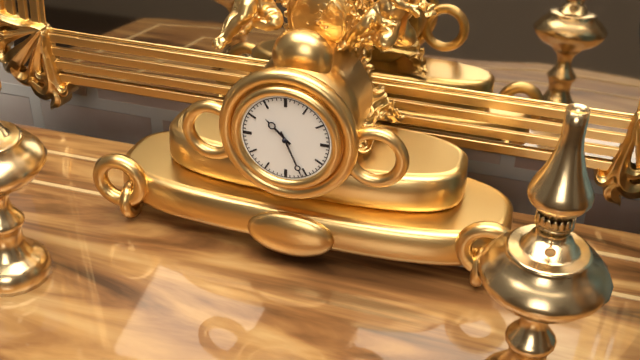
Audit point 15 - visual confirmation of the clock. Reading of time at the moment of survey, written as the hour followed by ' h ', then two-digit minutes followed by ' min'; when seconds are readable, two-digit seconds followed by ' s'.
10 h 26 min
